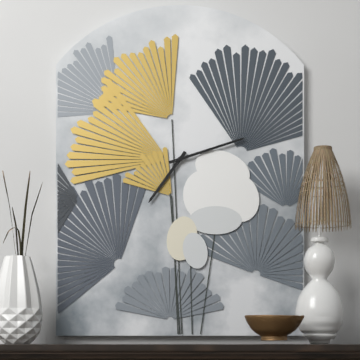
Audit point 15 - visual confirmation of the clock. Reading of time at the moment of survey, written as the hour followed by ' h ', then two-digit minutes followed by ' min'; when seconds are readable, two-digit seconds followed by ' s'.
7 h 12 min
